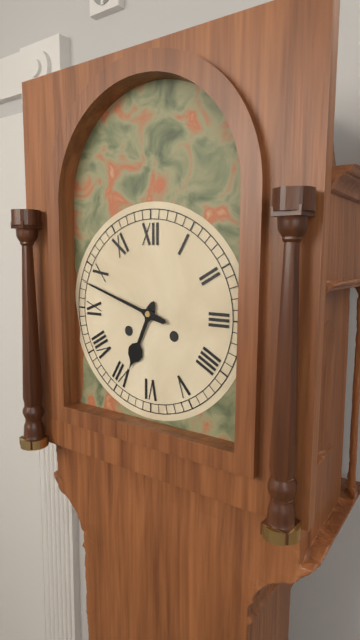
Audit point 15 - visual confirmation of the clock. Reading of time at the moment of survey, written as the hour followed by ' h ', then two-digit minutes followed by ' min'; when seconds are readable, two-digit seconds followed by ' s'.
6 h 48 min
